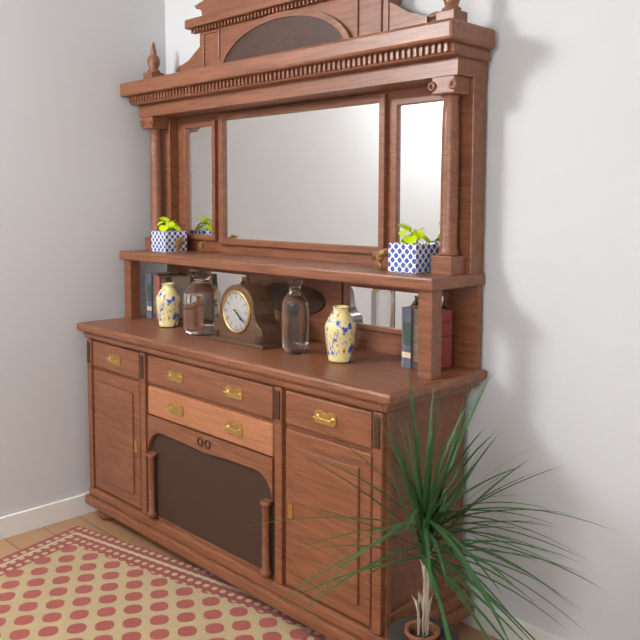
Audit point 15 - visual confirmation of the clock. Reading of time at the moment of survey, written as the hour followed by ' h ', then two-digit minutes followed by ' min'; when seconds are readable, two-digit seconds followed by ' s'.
4 h 21 min
